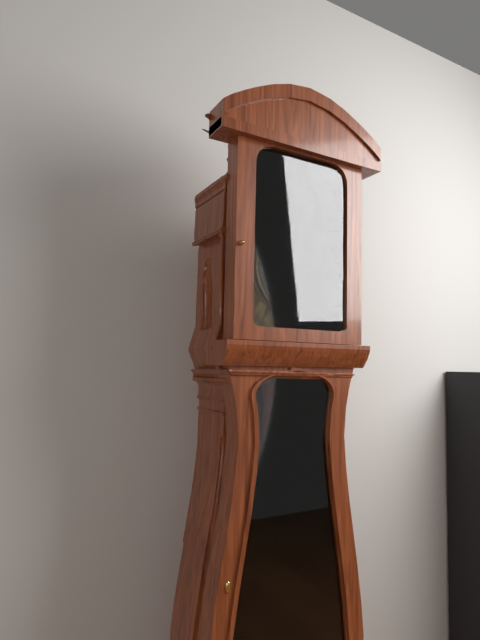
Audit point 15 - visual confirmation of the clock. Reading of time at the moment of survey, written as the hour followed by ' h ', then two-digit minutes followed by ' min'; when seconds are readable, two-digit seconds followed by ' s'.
4 h 10 min
